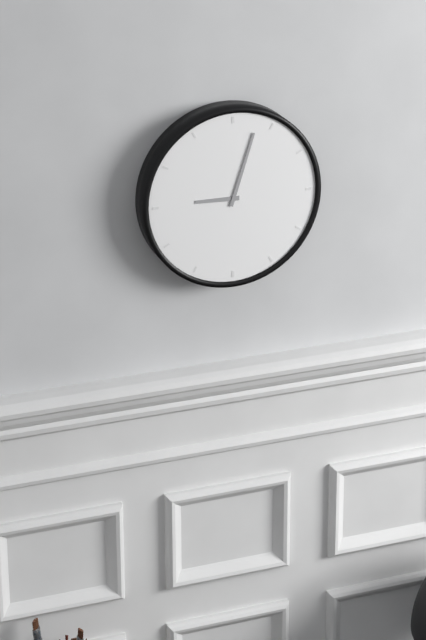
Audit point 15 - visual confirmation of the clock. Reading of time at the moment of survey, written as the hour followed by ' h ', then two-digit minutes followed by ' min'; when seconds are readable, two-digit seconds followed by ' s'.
9 h 03 min
